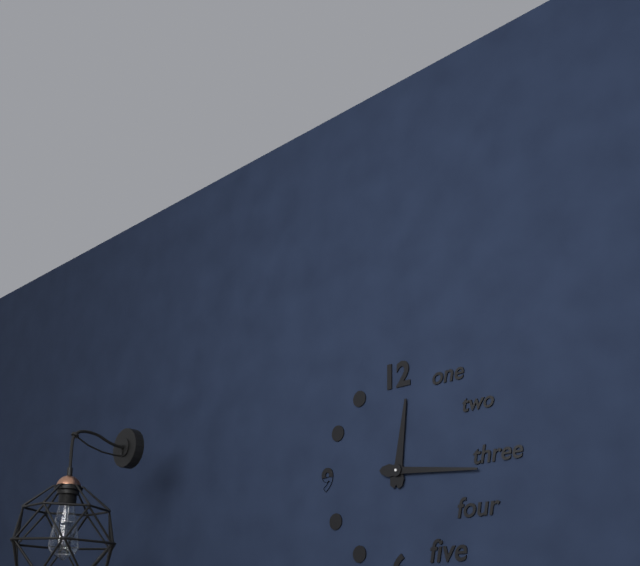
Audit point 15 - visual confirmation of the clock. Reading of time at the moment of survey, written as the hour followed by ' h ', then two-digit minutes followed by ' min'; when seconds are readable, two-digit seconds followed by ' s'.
12 h 16 min
